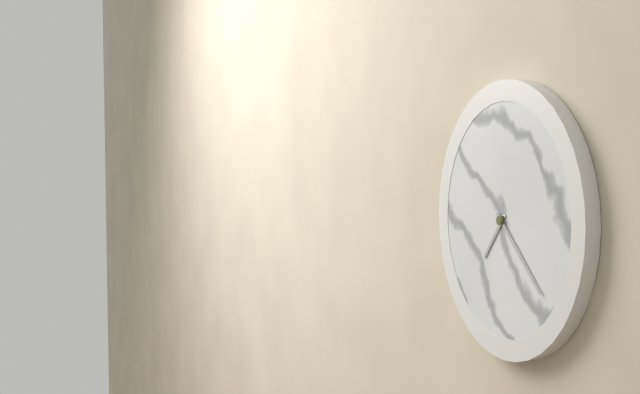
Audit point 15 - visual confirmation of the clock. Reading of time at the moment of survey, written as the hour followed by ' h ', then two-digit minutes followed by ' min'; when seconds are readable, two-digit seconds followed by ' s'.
7 h 22 min
